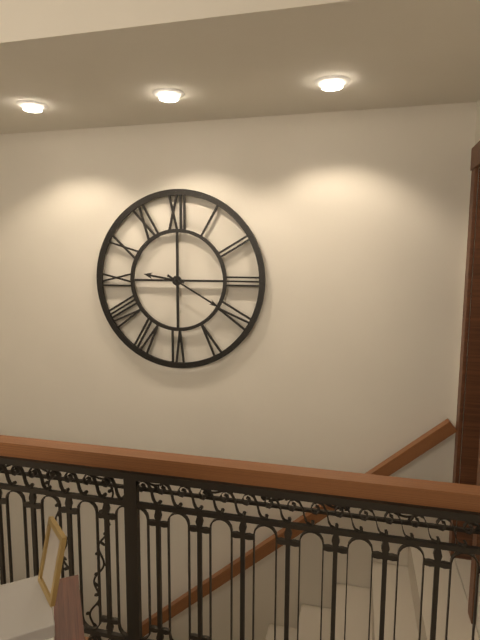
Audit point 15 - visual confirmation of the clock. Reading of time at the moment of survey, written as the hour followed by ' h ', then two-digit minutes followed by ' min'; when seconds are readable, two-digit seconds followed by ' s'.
9 h 20 min
